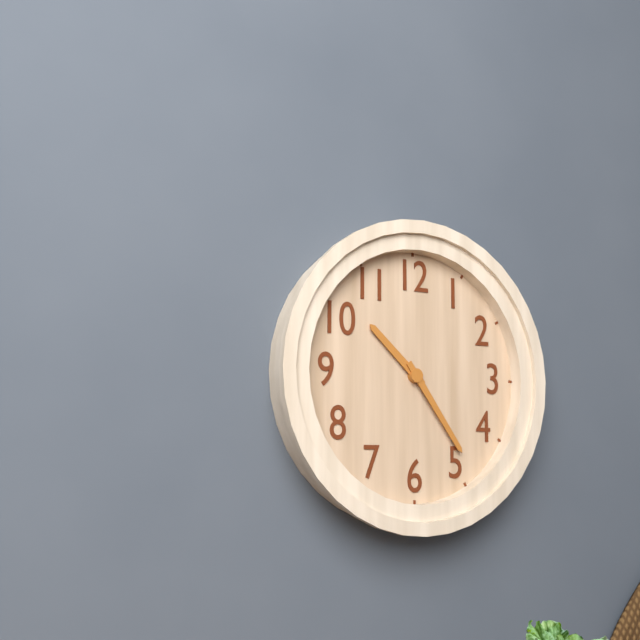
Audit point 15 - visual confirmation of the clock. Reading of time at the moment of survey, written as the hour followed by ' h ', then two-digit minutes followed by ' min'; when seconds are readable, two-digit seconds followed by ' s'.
10 h 24 min
